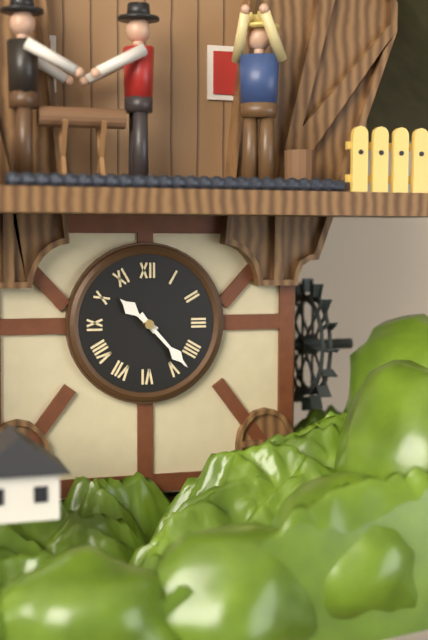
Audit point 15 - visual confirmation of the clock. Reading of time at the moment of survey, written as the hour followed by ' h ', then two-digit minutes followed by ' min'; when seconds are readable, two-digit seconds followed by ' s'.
10 h 23 min
